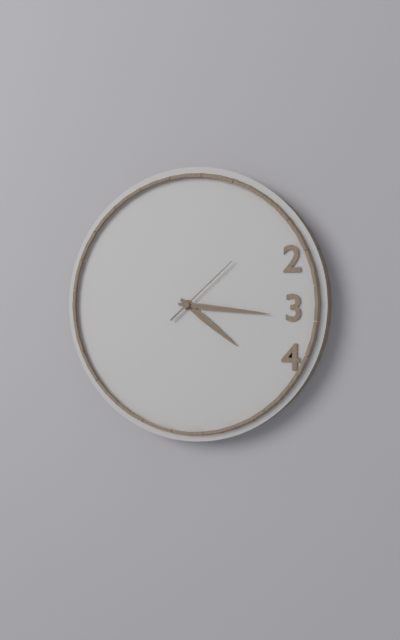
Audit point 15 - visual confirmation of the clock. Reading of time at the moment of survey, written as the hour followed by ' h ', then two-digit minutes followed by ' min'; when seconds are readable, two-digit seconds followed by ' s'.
4 h 16 min 08 s
